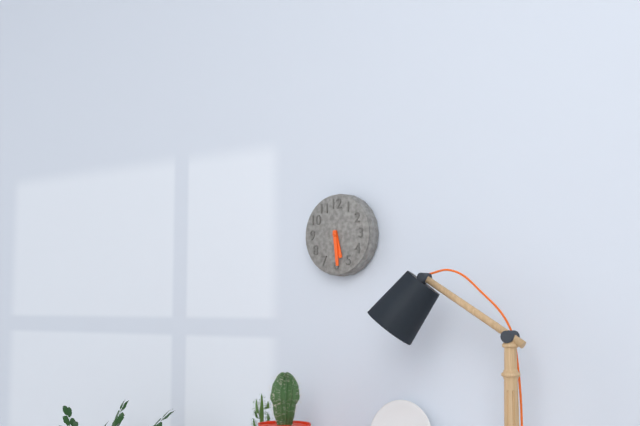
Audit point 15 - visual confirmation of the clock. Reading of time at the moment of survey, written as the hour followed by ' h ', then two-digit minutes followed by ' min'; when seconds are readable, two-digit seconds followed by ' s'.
5 h 29 min
